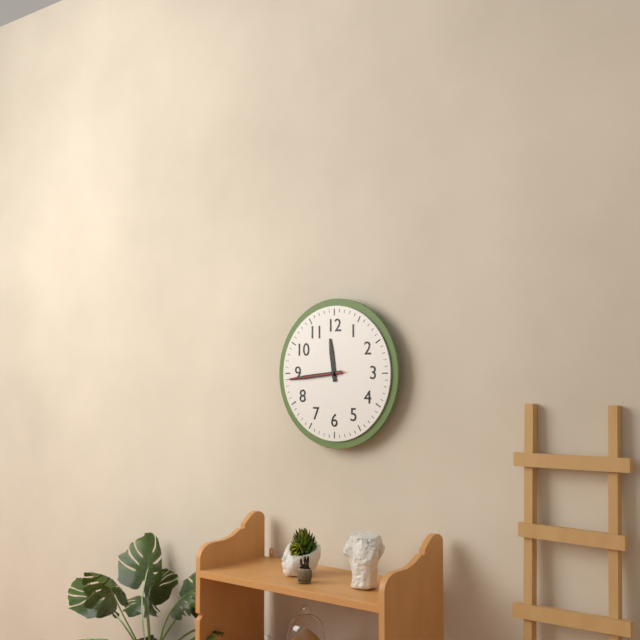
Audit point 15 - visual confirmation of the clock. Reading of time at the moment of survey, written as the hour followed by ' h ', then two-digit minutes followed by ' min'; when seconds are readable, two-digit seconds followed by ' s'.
11 h 44 min 44 s
